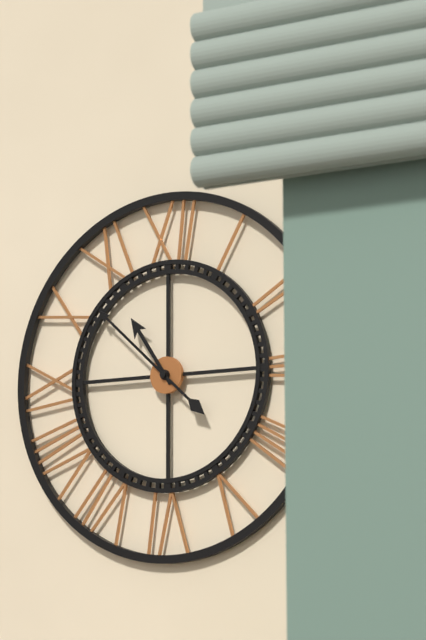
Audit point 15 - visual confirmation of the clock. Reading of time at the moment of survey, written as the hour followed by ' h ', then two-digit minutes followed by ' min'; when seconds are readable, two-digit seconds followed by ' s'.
10 h 52 min
